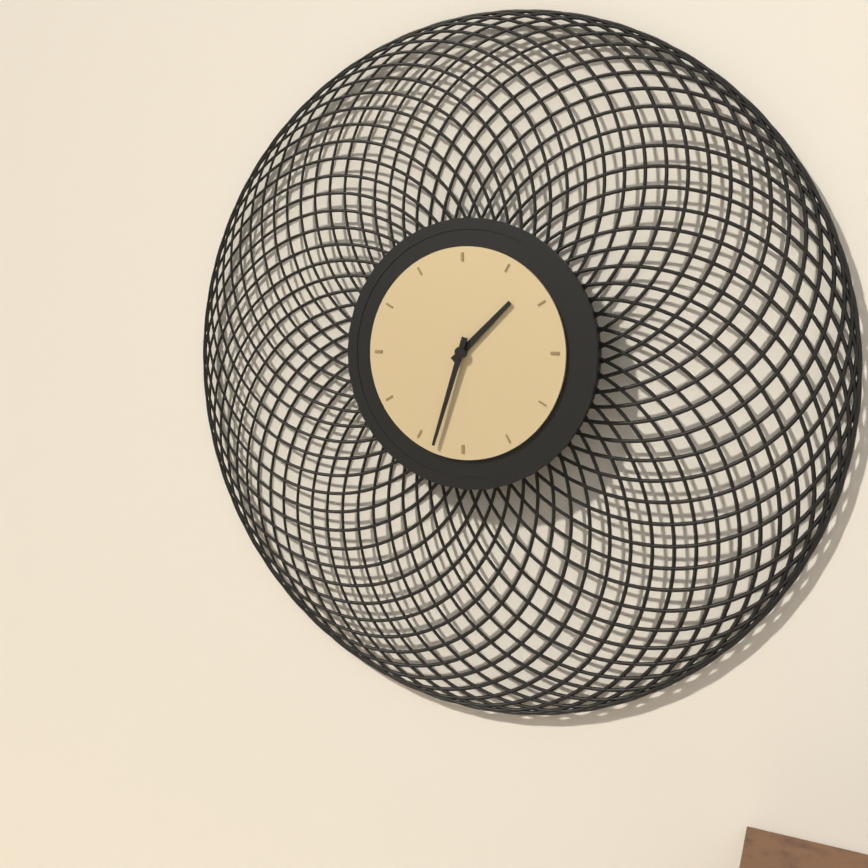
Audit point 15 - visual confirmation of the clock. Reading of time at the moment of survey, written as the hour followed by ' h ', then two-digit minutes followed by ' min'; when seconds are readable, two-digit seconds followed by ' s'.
1 h 33 min
